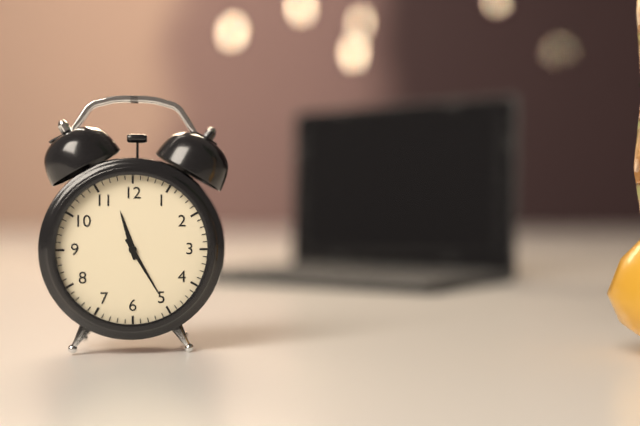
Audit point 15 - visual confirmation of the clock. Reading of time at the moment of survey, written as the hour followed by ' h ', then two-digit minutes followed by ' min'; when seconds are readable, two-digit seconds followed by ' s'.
11 h 25 min
